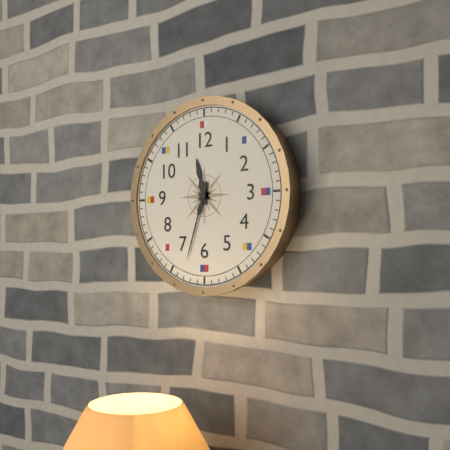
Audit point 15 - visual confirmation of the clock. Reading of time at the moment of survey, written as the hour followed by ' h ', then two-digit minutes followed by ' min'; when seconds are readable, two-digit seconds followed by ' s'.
11 h 33 min
